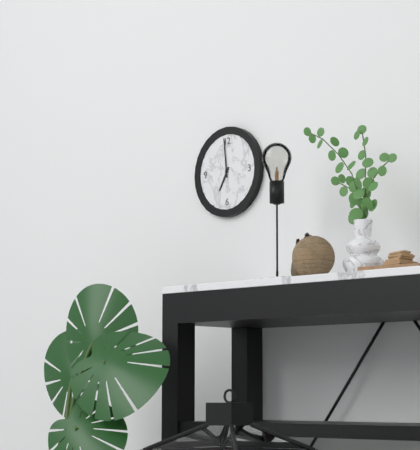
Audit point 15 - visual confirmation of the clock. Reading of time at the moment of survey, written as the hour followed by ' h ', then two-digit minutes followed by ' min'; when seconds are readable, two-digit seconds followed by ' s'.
6 h 59 min
